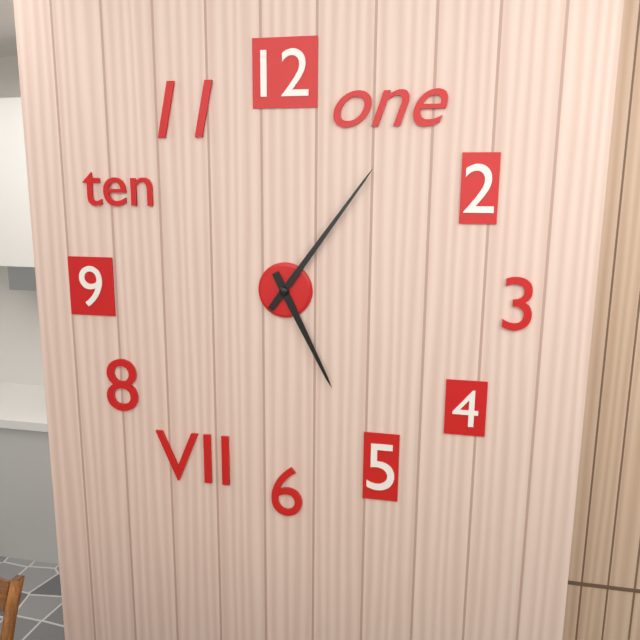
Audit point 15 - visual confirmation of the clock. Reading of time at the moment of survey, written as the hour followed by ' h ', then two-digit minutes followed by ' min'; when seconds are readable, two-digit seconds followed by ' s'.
5 h 06 min
